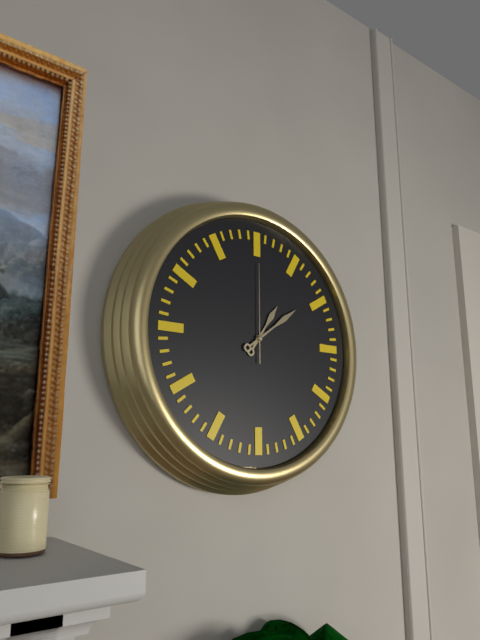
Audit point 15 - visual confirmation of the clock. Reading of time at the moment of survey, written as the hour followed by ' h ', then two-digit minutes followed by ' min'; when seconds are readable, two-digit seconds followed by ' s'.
1 h 09 min 00 s
